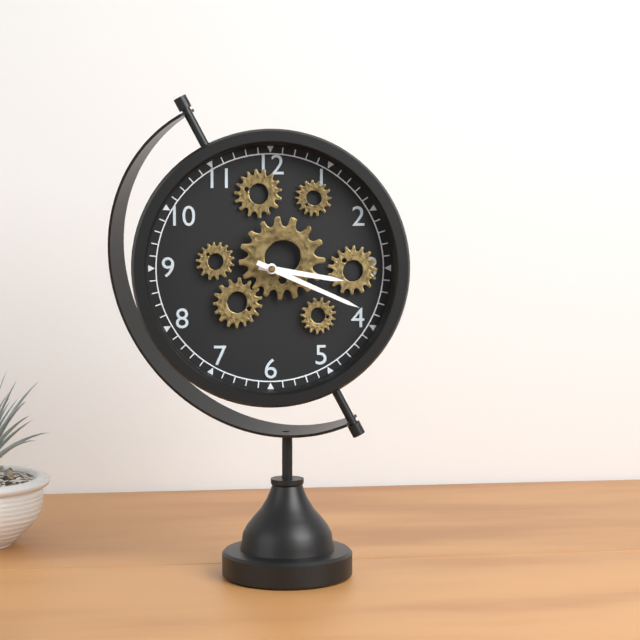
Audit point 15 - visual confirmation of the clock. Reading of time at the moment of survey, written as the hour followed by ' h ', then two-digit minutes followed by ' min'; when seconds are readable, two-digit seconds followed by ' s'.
3 h 19 min
